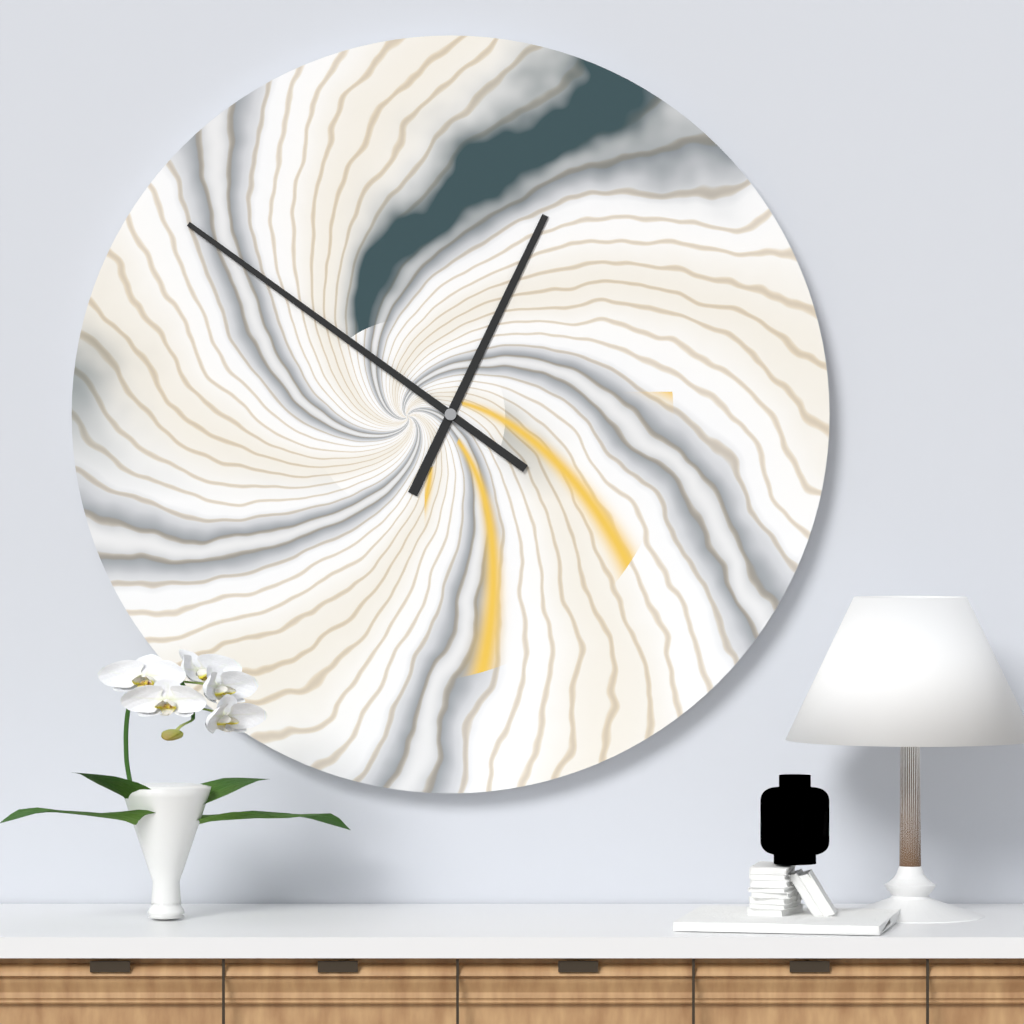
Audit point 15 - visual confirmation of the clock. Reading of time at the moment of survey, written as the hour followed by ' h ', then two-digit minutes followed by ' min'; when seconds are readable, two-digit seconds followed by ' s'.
12 h 51 min
